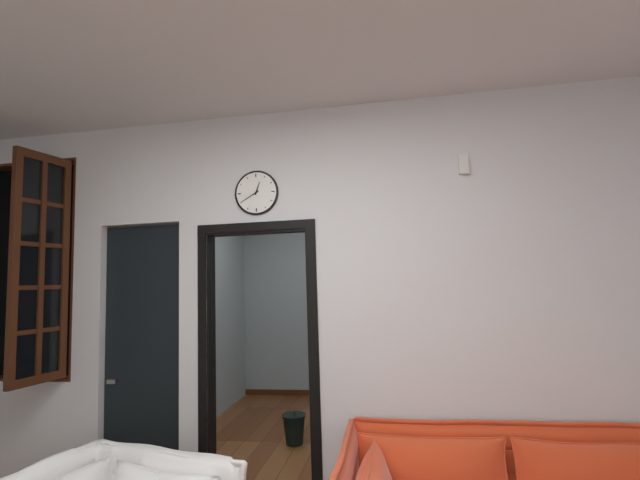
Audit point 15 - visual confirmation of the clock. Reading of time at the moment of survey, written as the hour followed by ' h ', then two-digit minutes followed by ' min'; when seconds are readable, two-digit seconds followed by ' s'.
12 h 40 min
